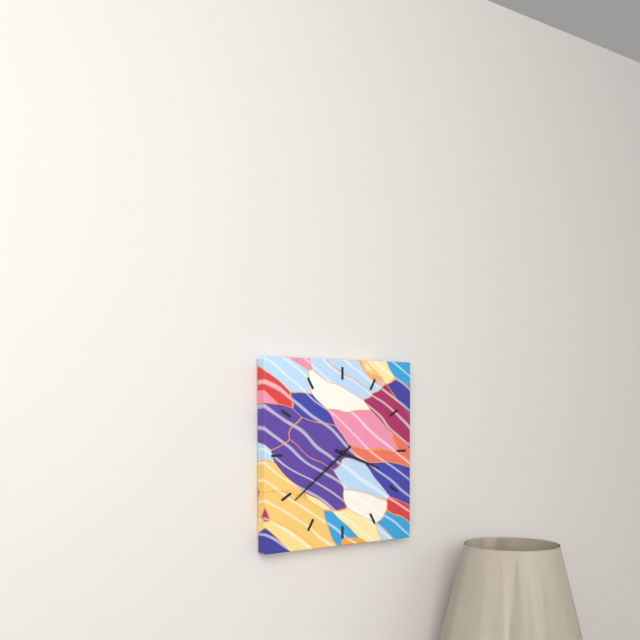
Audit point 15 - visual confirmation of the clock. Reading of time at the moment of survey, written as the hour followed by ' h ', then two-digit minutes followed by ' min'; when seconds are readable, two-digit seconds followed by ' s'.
3 h 39 min
